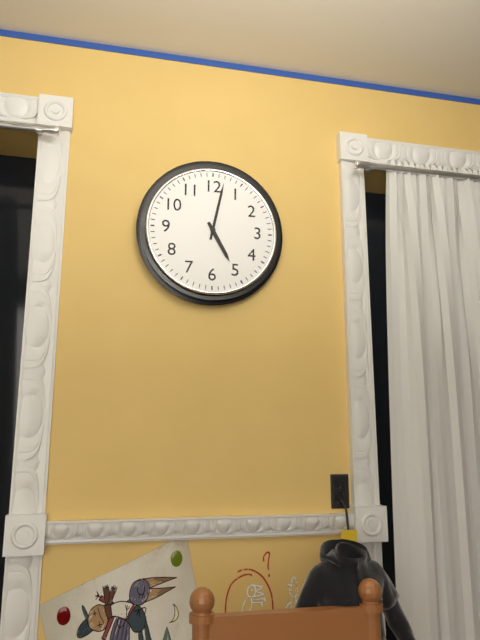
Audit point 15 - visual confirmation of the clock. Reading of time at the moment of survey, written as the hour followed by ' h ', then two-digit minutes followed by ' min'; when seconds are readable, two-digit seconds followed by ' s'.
5 h 02 min
